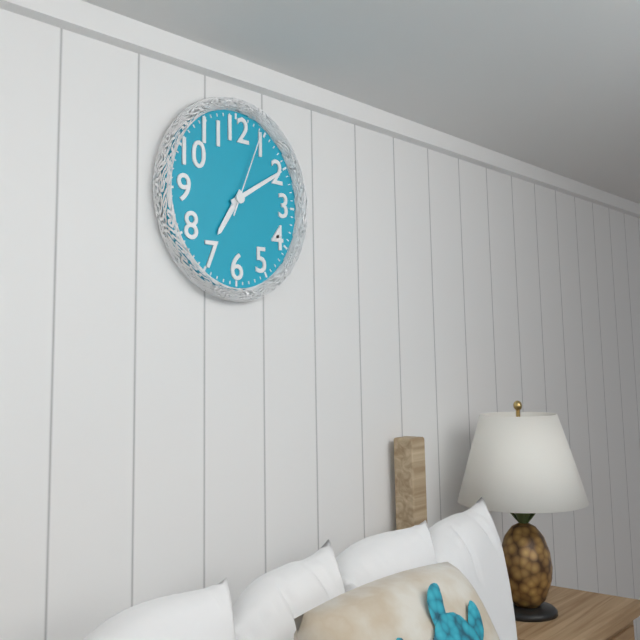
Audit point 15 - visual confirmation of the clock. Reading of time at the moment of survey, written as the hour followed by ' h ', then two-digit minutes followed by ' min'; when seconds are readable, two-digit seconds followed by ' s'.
7 h 10 min 04 s
